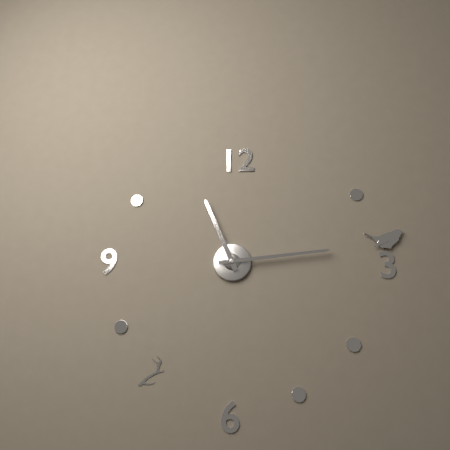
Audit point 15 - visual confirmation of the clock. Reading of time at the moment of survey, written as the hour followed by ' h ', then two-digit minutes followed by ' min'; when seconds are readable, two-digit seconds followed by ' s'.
11 h 14 min
